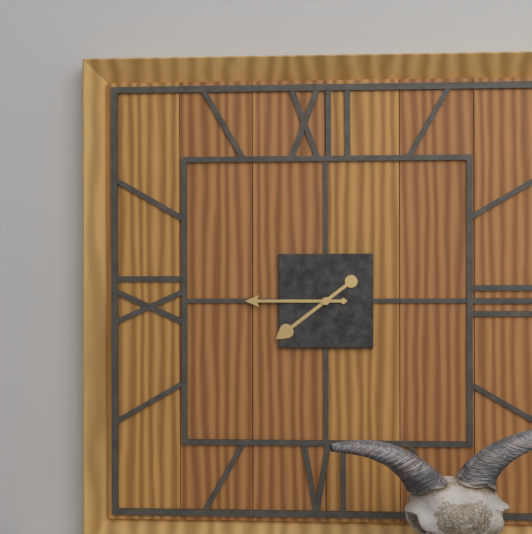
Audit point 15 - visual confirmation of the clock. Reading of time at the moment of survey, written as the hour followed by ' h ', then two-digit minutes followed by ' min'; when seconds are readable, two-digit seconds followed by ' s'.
7 h 45 min
